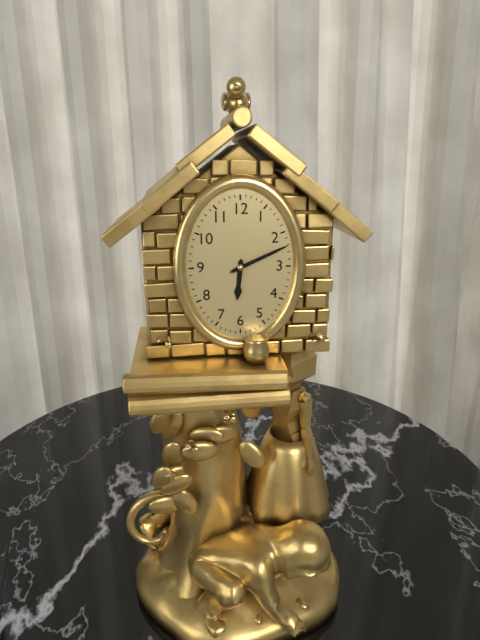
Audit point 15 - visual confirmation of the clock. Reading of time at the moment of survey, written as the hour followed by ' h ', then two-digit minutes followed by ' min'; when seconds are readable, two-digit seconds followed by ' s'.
6 h 11 min
